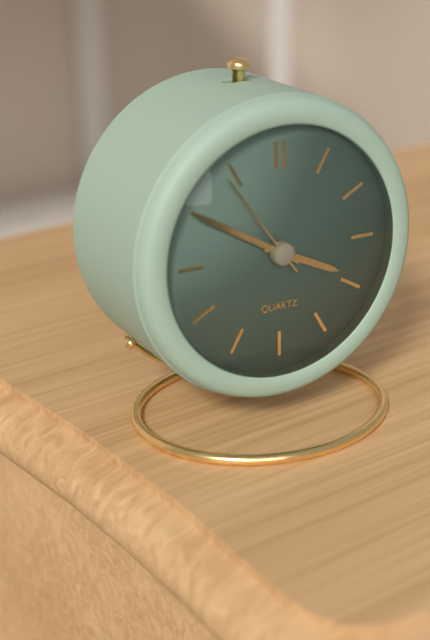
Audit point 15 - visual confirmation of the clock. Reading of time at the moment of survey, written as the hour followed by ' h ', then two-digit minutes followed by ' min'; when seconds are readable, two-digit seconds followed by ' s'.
3 h 50 min 54 s
